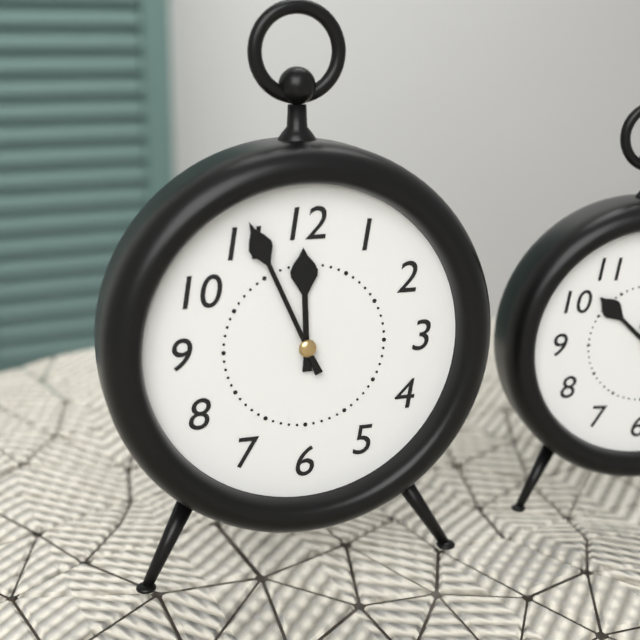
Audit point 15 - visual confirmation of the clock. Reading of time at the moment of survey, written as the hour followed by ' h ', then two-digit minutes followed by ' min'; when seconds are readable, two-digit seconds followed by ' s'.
11 h 56 min
